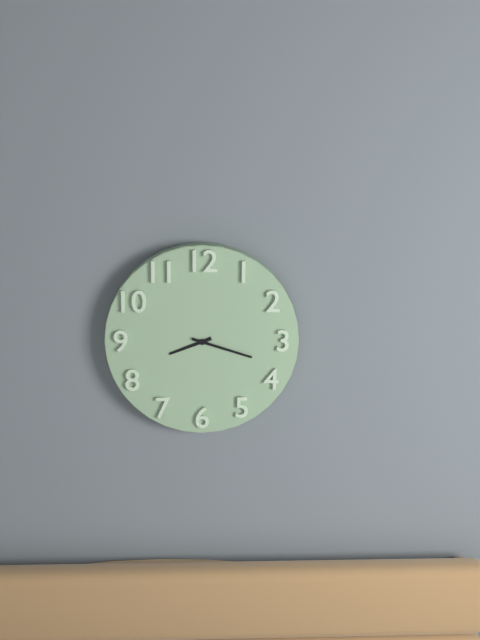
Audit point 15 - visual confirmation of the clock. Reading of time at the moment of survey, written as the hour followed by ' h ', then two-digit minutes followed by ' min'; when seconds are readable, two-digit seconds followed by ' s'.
8 h 18 min
